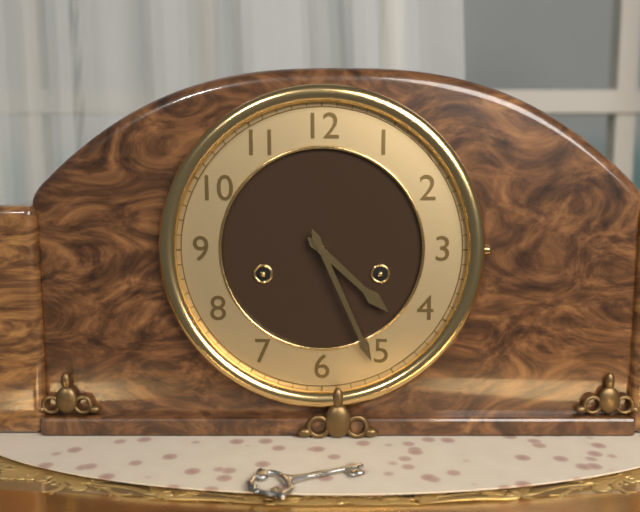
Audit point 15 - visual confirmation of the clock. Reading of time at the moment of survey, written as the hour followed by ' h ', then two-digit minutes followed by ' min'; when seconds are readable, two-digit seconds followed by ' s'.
4 h 26 min
